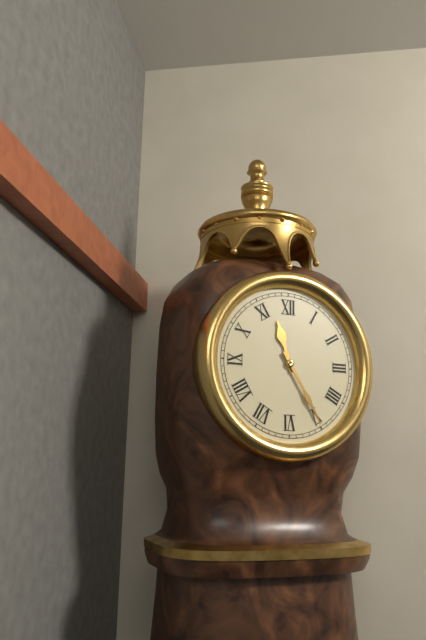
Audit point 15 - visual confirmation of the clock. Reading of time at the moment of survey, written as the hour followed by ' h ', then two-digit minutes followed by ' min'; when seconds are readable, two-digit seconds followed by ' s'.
11 h 25 min
